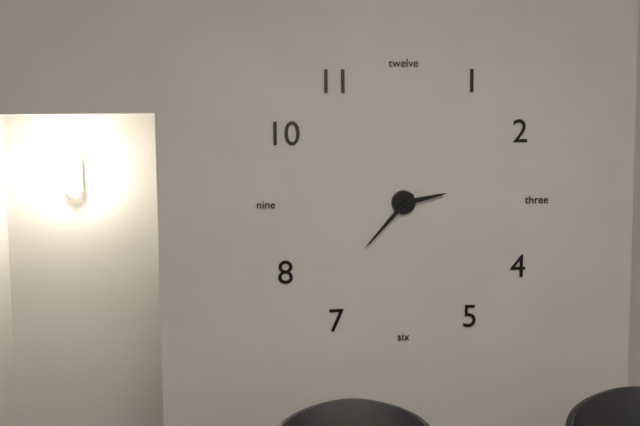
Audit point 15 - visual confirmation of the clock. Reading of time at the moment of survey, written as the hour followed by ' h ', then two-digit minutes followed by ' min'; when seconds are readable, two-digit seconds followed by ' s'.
2 h 37 min
